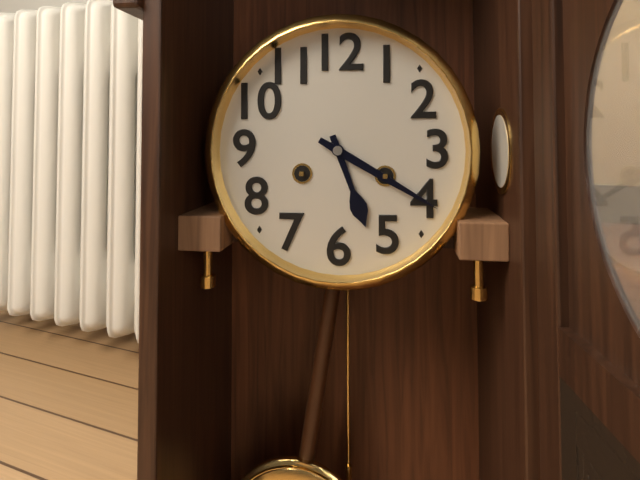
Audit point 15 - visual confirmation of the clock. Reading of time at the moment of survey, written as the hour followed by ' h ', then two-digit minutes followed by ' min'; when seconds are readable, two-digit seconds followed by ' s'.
5 h 20 min
